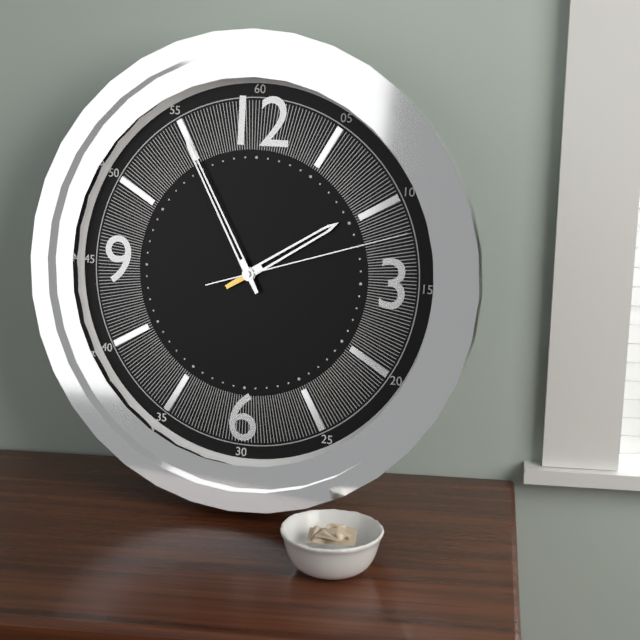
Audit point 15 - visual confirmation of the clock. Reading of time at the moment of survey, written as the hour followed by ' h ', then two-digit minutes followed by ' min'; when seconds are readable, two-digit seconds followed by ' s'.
1 h 55 min 12 s
